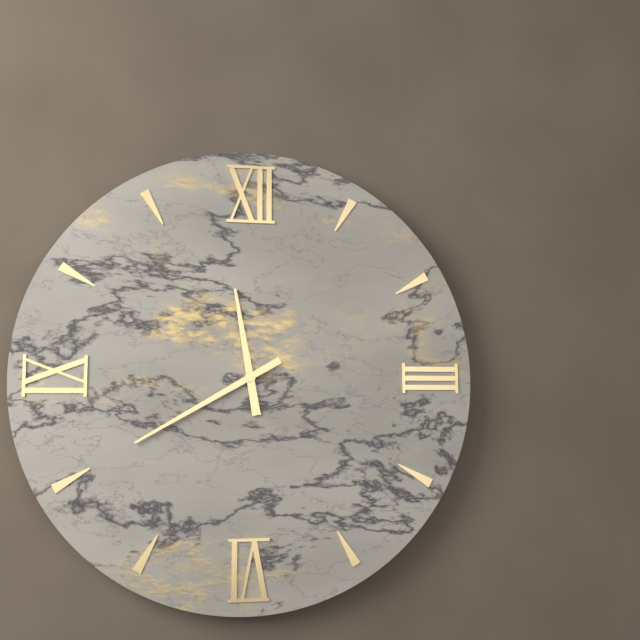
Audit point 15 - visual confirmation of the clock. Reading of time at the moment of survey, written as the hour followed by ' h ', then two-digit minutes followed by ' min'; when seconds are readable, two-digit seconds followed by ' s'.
11 h 40 min
